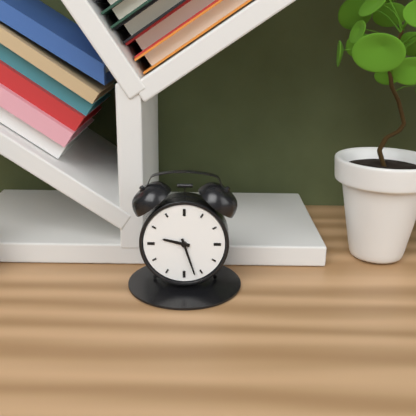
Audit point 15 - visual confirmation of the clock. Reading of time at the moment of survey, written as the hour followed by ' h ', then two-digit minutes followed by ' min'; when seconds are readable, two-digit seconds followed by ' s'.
9 h 27 min
